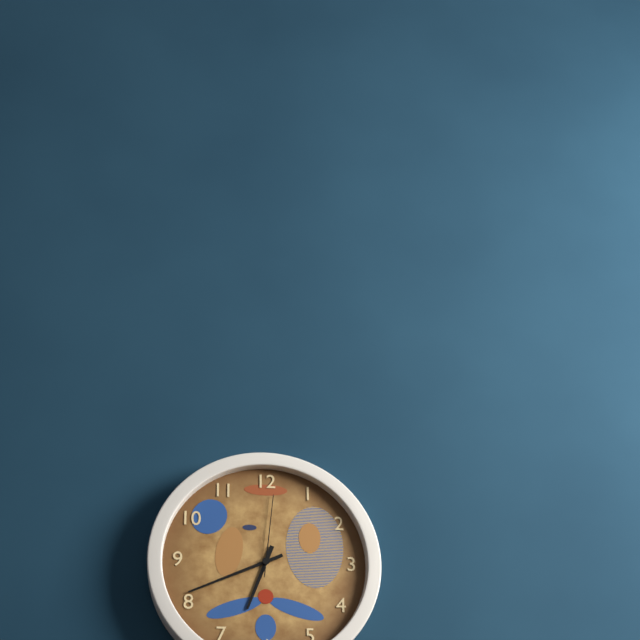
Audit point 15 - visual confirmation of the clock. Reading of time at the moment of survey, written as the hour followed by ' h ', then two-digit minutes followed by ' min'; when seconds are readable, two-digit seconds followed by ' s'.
6 h 41 min 01 s
